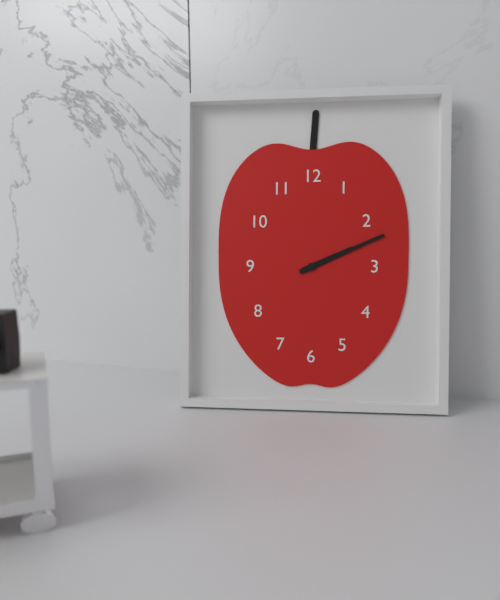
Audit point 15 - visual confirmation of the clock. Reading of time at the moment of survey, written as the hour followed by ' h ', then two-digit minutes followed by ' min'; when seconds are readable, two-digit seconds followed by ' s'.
2 h 11 min
